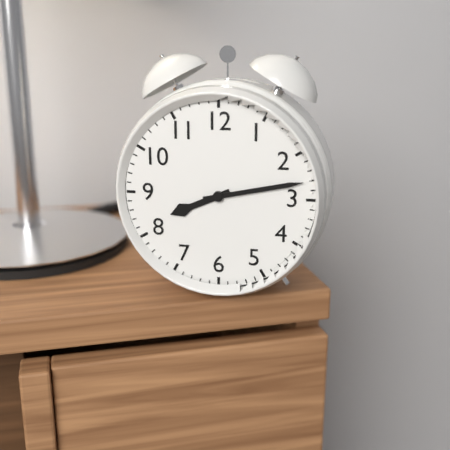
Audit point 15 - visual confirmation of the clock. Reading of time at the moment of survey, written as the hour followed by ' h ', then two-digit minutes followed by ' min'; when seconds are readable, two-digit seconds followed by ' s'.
8 h 13 min
